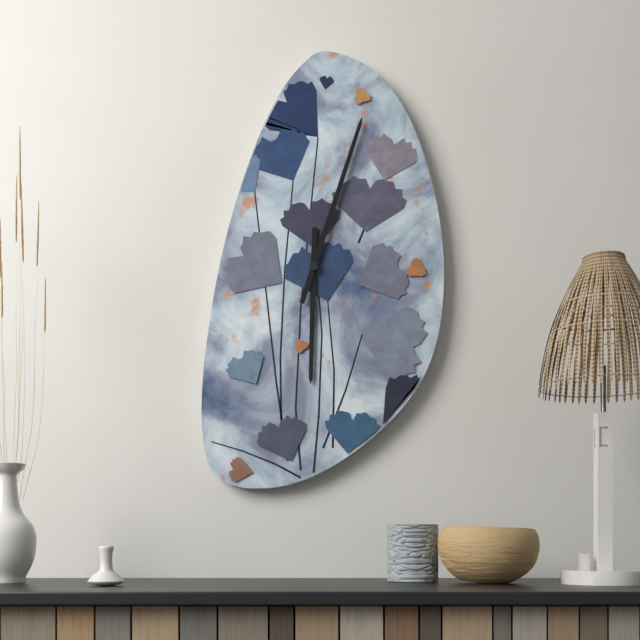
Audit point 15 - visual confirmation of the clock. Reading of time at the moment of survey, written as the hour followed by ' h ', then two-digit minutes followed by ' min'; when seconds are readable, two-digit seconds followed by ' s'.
6 h 03 min
